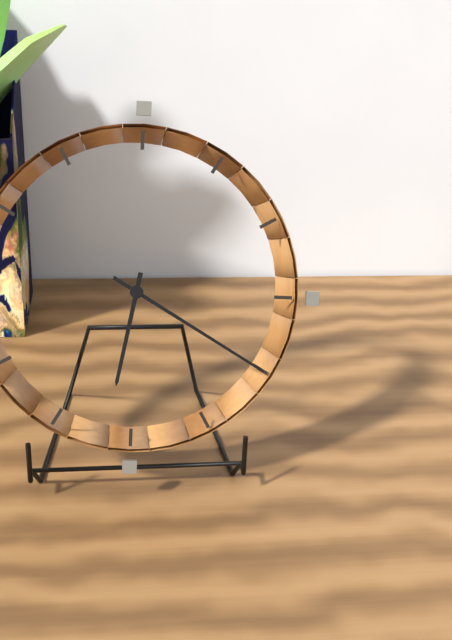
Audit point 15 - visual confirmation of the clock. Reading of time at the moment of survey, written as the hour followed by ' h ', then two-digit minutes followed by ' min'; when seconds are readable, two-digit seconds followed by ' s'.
6 h 20 min
